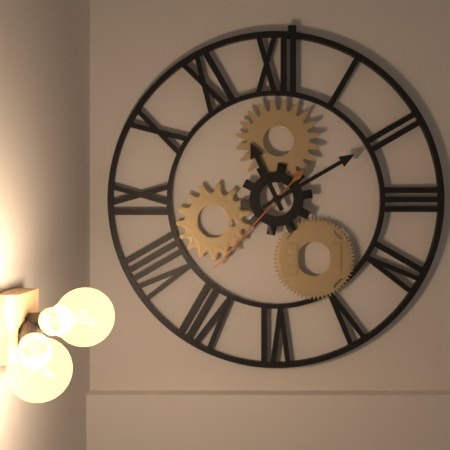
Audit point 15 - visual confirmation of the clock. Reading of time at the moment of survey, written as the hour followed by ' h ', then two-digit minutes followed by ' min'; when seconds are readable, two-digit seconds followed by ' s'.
11 h 10 min 37 s
